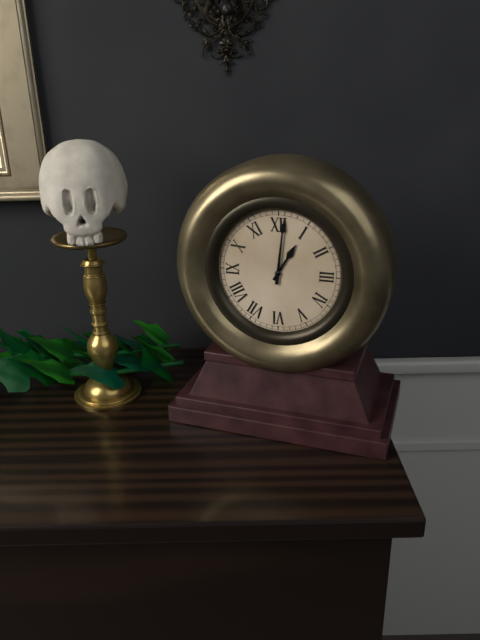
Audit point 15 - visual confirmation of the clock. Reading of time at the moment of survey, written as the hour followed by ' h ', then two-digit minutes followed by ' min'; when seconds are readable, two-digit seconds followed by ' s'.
1 h 01 min
